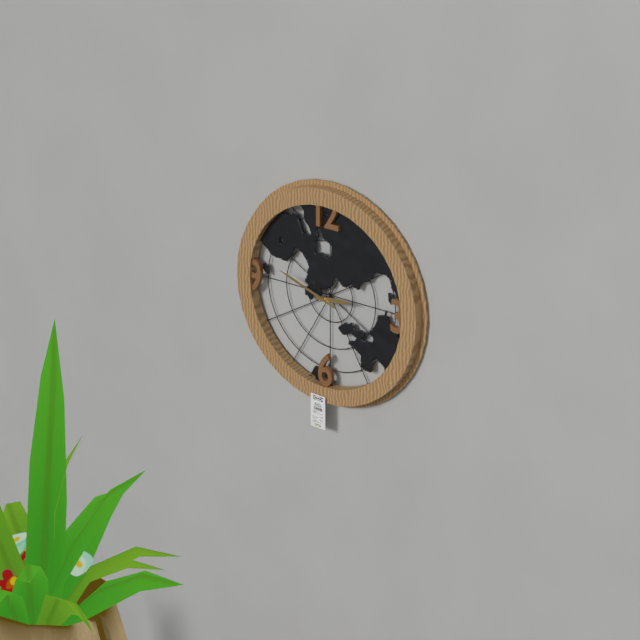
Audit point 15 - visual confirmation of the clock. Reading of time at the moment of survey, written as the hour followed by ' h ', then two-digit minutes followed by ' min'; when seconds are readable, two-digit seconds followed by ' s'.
2 h 48 min
